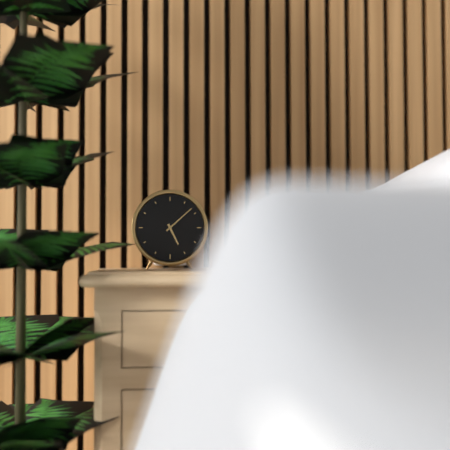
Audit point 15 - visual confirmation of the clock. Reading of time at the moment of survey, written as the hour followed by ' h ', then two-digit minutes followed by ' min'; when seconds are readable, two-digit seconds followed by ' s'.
5 h 08 min
